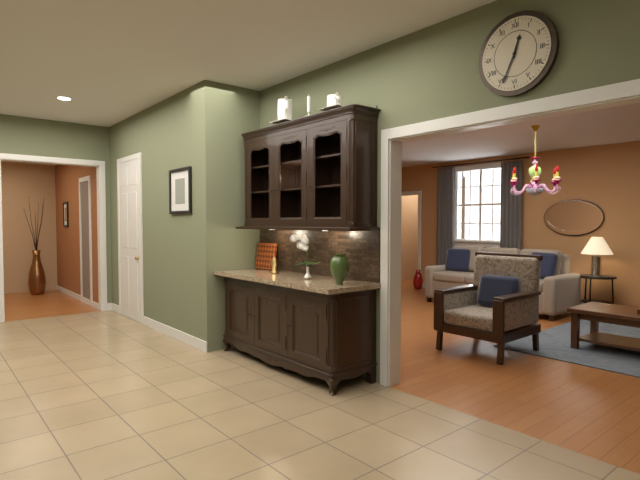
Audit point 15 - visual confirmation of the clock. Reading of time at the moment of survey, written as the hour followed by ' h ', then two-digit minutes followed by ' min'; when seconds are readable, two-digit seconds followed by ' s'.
12 h 34 min
